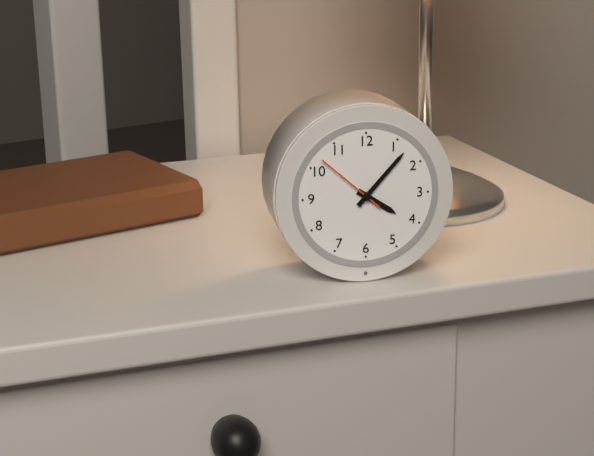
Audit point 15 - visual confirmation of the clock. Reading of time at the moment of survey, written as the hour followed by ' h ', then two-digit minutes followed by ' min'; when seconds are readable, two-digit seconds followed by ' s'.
4 h 07 min 52 s
